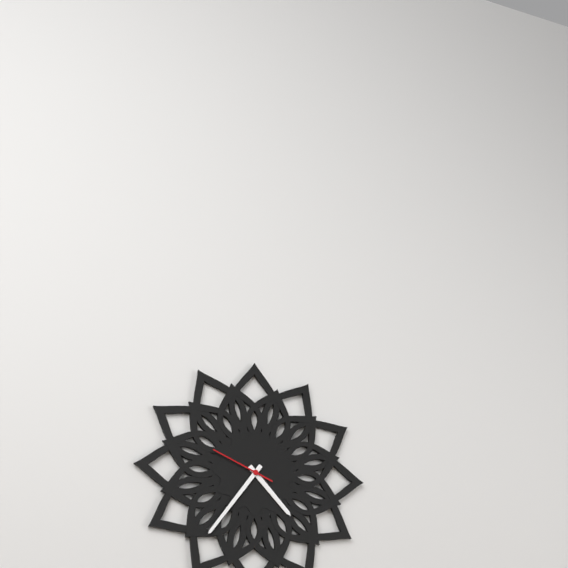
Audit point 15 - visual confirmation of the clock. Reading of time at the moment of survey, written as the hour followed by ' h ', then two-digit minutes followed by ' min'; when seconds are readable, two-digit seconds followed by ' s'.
4 h 36 min 49 s
